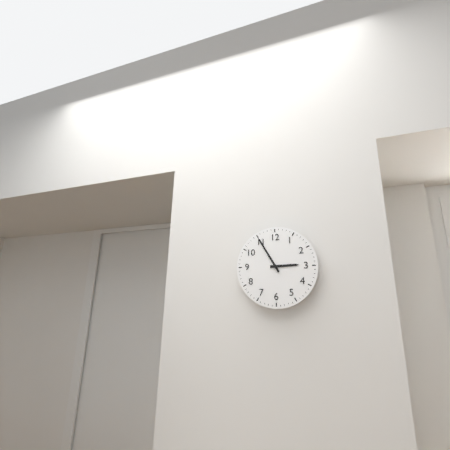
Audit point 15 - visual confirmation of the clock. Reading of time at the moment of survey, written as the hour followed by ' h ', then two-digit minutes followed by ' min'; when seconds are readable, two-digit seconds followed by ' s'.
2 h 55 min
